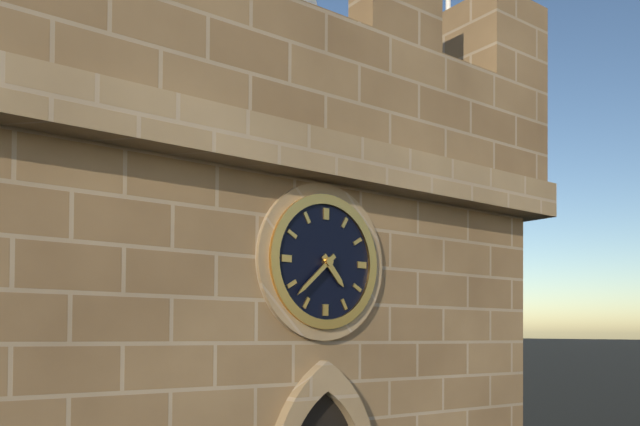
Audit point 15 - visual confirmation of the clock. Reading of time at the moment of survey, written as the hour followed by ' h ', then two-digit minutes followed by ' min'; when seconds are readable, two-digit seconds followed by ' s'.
4 h 38 min
